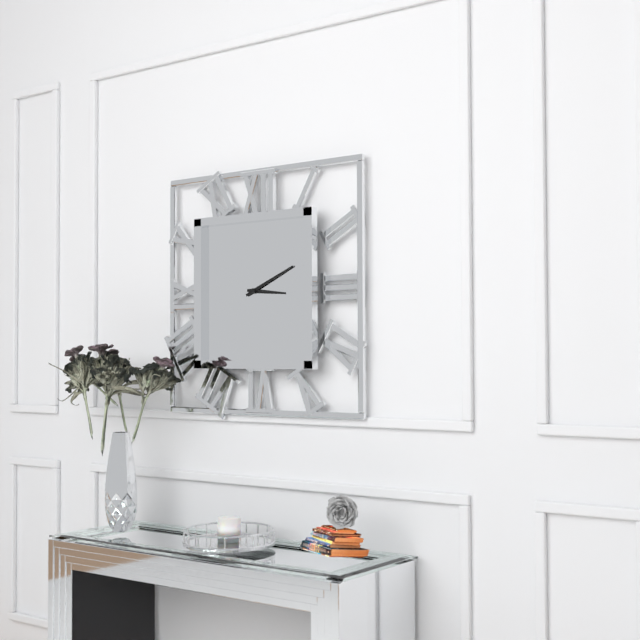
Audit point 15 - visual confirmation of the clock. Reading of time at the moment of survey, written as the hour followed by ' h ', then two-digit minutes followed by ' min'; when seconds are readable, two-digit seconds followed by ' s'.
3 h 11 min
